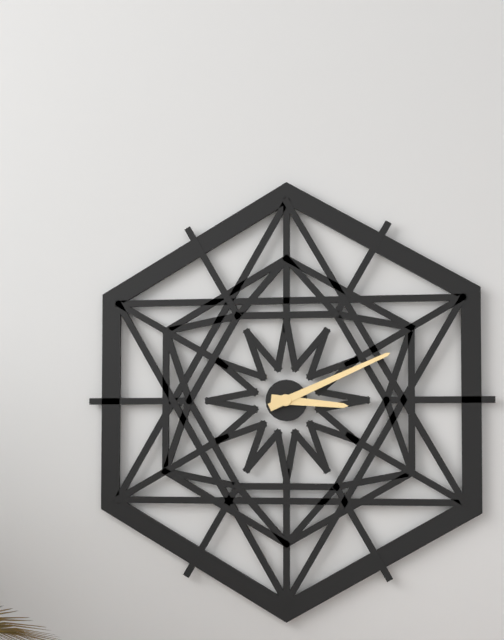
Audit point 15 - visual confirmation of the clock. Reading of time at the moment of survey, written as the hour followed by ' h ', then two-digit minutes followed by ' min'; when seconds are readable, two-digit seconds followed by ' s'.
3 h 11 min
